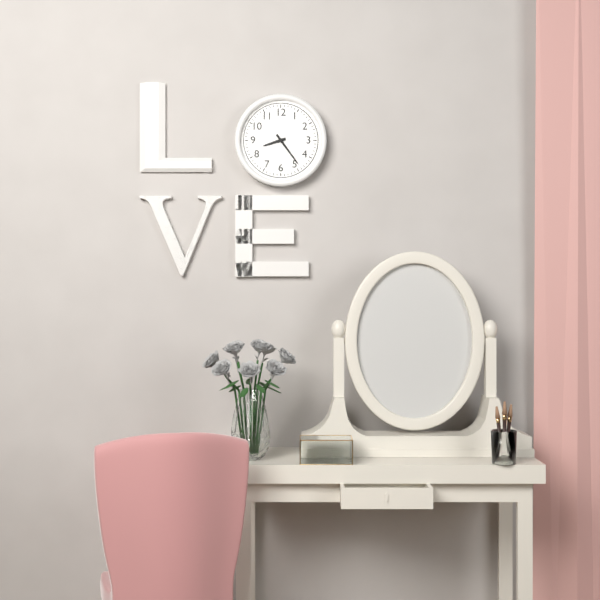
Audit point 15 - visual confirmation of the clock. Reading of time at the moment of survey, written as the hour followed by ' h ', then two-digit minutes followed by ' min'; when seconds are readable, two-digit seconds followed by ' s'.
8 h 24 min
